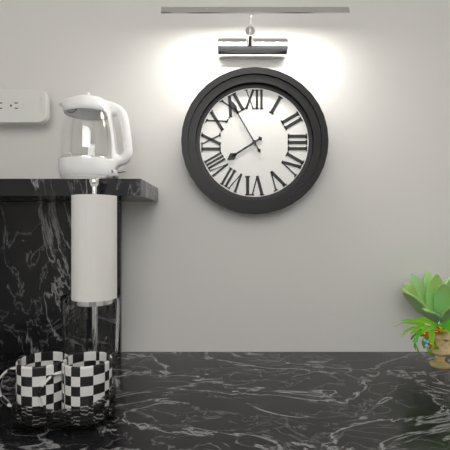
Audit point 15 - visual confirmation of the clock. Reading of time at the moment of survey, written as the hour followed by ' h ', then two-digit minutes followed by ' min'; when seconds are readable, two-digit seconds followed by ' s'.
7 h 55 min
